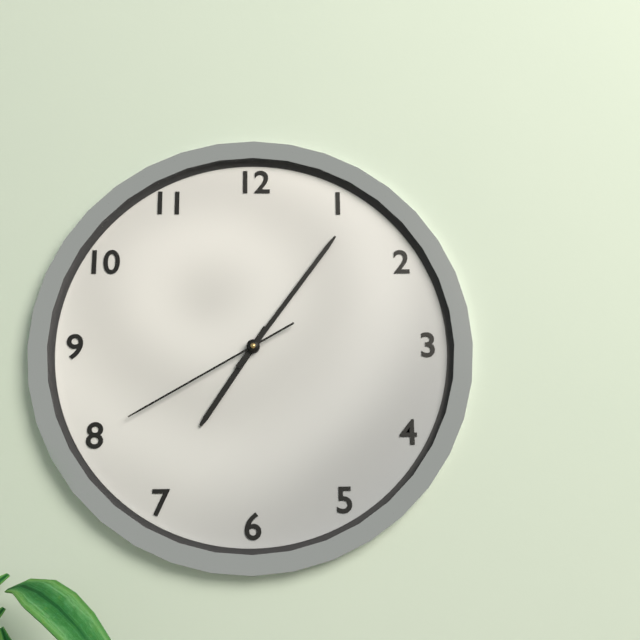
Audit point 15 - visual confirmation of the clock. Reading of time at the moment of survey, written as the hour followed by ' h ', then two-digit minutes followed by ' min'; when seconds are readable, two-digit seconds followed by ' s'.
7 h 06 min 40 s
